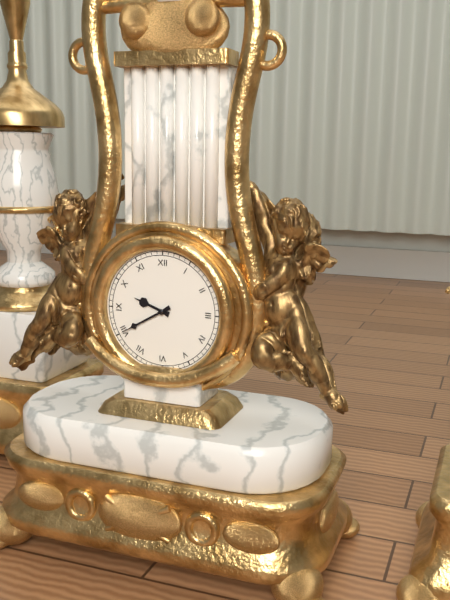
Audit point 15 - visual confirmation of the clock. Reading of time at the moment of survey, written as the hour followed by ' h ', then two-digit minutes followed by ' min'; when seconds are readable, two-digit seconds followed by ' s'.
9 h 40 min
